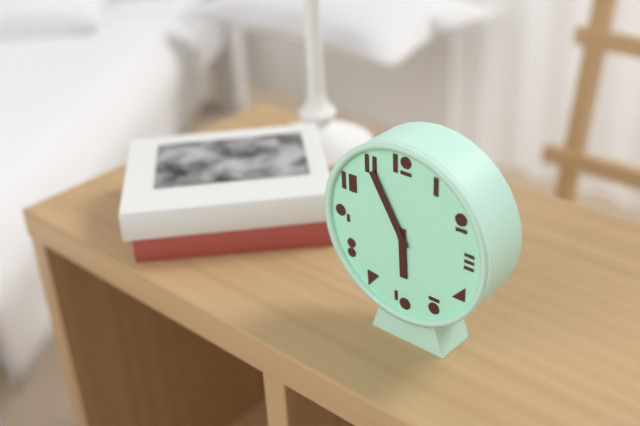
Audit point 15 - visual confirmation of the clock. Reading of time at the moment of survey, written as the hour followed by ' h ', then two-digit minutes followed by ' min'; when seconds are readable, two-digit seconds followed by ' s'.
5 h 55 min
